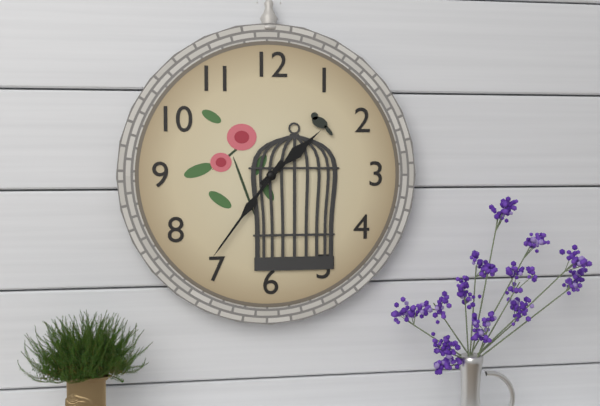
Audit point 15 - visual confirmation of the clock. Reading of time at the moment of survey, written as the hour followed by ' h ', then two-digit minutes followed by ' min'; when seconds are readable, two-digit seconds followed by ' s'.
1 h 36 min
